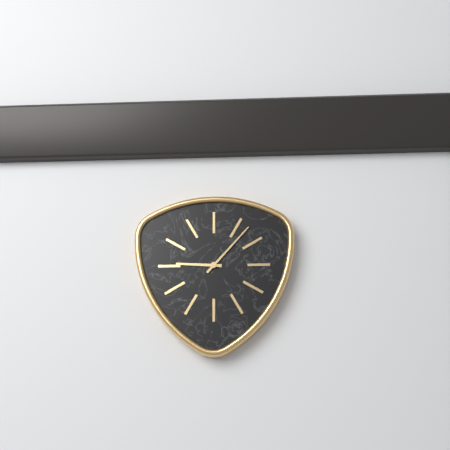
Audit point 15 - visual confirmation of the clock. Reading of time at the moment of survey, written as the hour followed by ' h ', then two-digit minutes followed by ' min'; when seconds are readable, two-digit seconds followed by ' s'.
9 h 07 min
